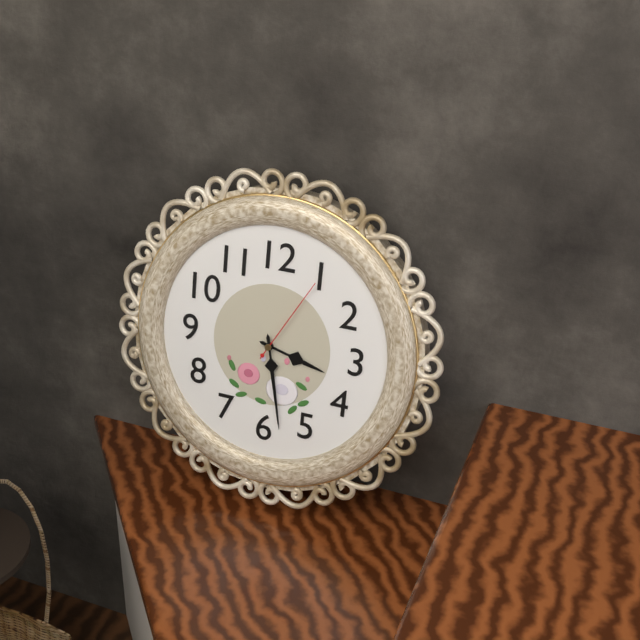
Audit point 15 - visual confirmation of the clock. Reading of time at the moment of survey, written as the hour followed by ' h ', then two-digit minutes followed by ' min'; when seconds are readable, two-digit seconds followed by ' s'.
3 h 28 min 05 s
